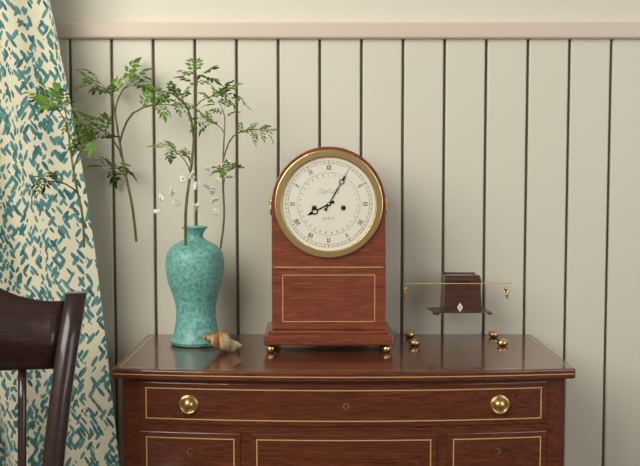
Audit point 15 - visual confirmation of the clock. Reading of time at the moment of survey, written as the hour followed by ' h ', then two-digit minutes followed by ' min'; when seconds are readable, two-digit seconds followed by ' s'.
8 h 05 min
